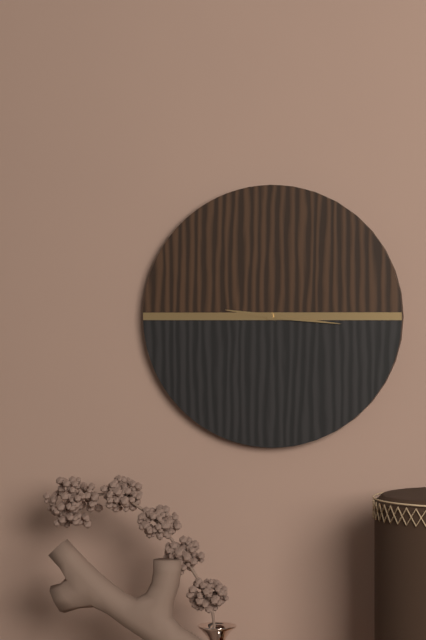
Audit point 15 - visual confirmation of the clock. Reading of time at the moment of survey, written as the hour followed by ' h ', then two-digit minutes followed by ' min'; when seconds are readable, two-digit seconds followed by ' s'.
9 h 16 min
